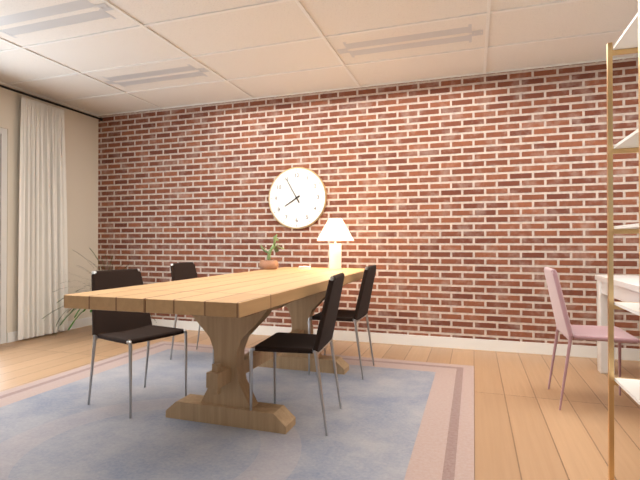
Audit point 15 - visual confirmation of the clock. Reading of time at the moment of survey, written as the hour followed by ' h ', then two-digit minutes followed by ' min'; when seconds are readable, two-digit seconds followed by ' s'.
7 h 55 min
